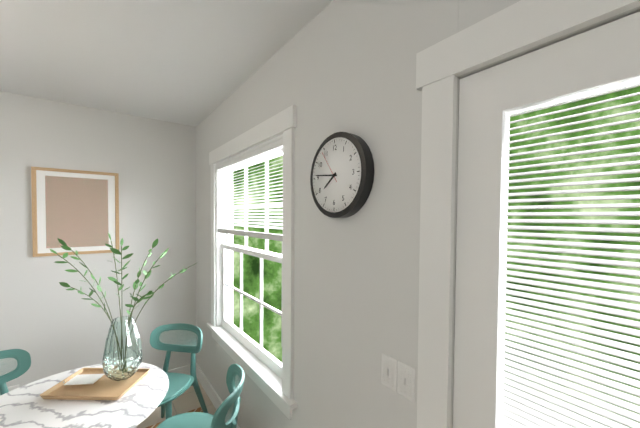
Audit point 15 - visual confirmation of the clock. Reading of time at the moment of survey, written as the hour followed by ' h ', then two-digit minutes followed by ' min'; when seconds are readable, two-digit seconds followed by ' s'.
7 h 46 min
